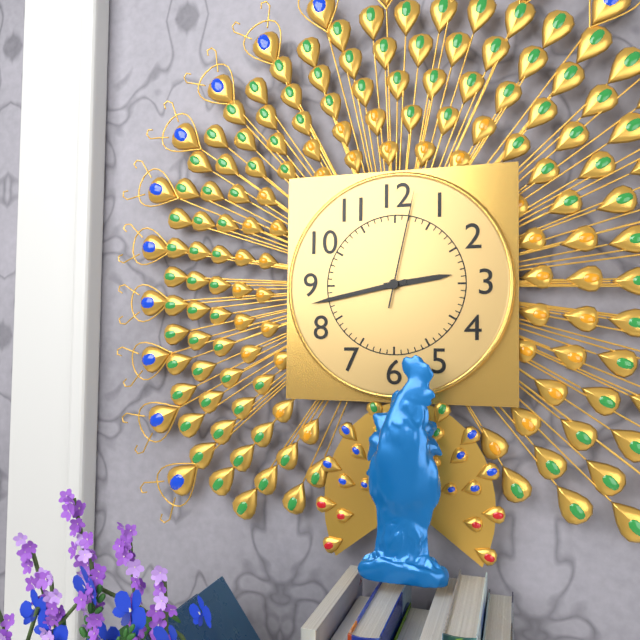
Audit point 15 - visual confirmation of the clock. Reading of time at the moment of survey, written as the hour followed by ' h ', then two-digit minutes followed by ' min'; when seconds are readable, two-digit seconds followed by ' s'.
2 h 43 min 02 s
